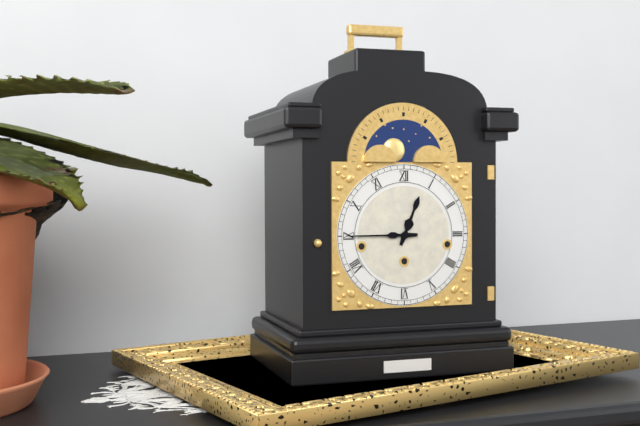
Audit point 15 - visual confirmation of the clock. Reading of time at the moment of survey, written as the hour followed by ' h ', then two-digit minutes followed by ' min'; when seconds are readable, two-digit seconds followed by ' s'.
12 h 45 min
